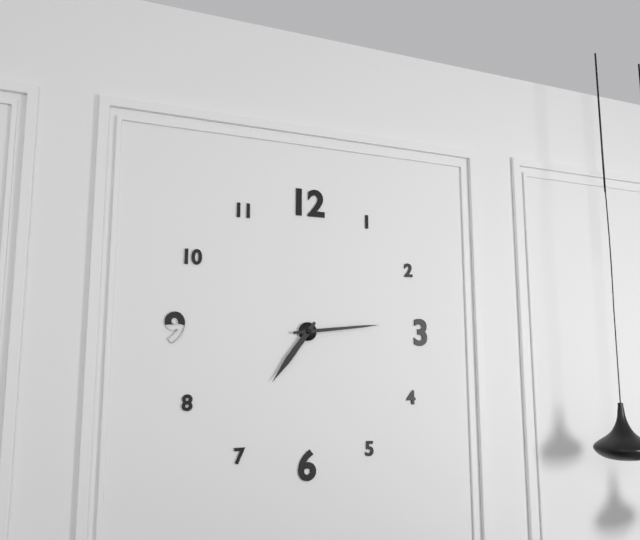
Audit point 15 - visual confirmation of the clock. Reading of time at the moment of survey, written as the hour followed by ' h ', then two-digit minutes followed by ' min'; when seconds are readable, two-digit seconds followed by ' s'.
7 h 14 min
